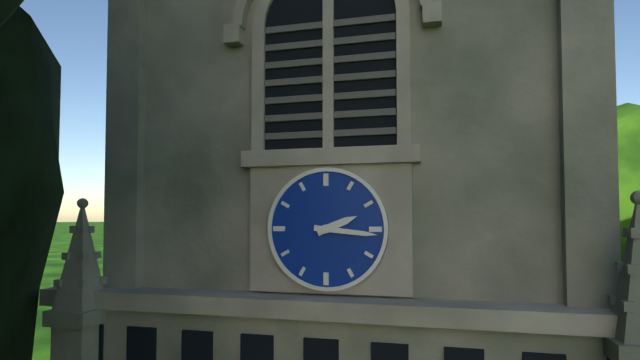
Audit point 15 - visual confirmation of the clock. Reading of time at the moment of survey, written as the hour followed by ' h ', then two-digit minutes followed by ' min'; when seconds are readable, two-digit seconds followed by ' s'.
2 h 16 min
